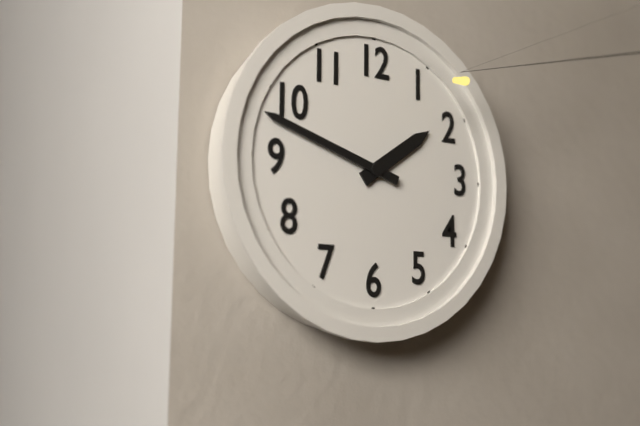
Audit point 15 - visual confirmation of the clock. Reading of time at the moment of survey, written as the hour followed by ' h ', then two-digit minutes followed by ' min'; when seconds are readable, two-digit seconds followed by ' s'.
1 h 48 min
